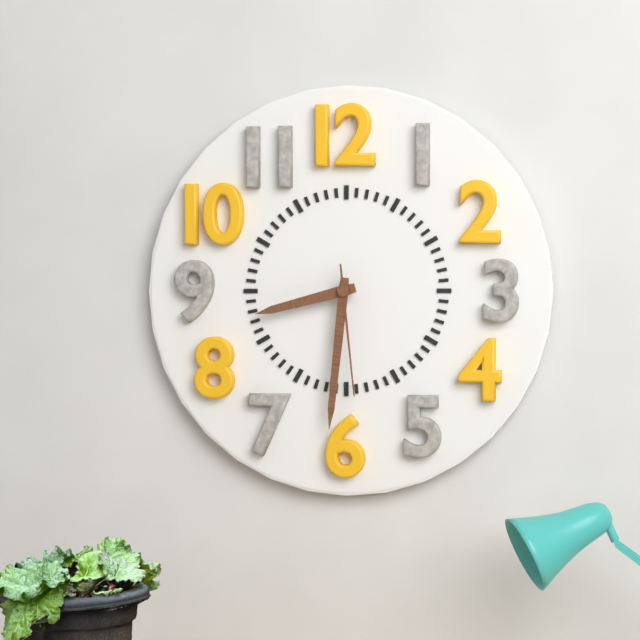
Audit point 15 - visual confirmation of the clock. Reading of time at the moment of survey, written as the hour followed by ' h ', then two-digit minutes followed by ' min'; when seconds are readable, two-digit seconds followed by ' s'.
8 h 31 min 29 s
